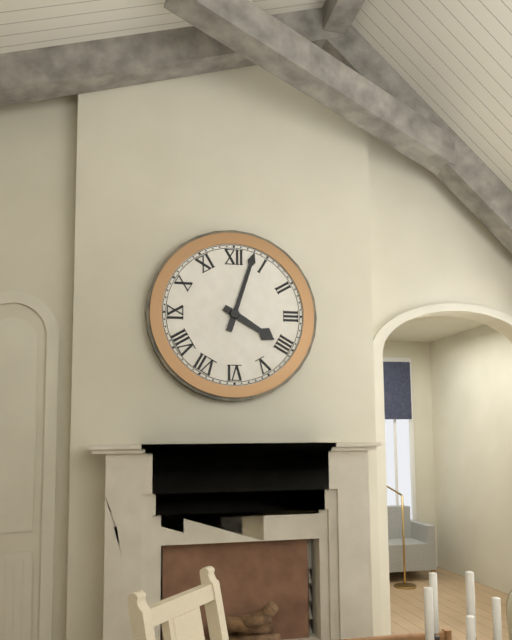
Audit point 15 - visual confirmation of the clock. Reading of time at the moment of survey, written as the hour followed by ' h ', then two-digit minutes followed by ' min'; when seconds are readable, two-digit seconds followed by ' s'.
4 h 03 min
